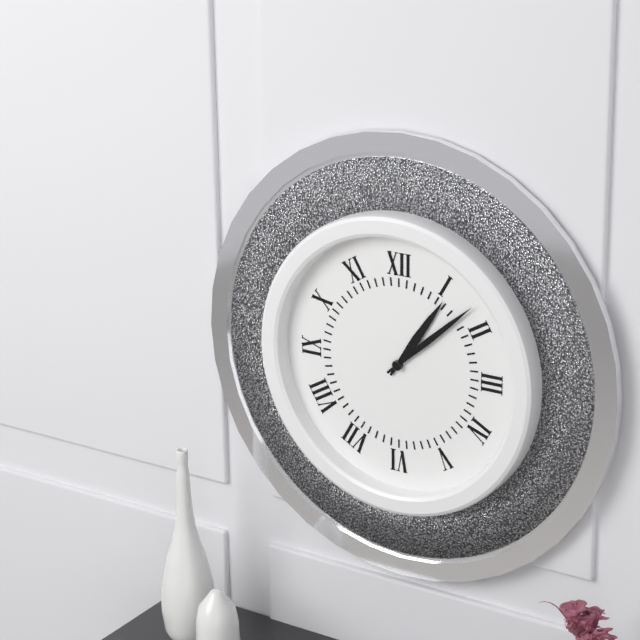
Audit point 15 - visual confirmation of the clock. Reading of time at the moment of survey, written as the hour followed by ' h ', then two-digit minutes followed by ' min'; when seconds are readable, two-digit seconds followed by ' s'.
1 h 08 min
